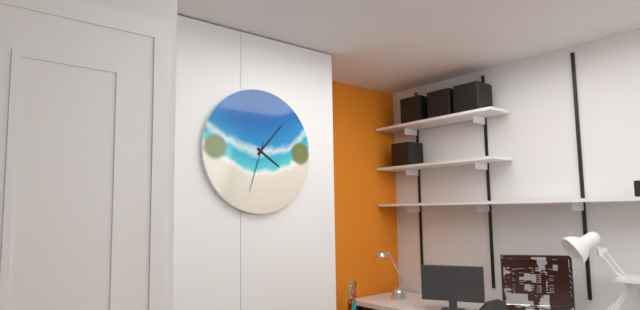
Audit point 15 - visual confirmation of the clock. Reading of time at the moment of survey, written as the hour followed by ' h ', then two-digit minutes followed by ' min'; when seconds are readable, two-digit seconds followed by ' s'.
4 h 07 min 33 s
